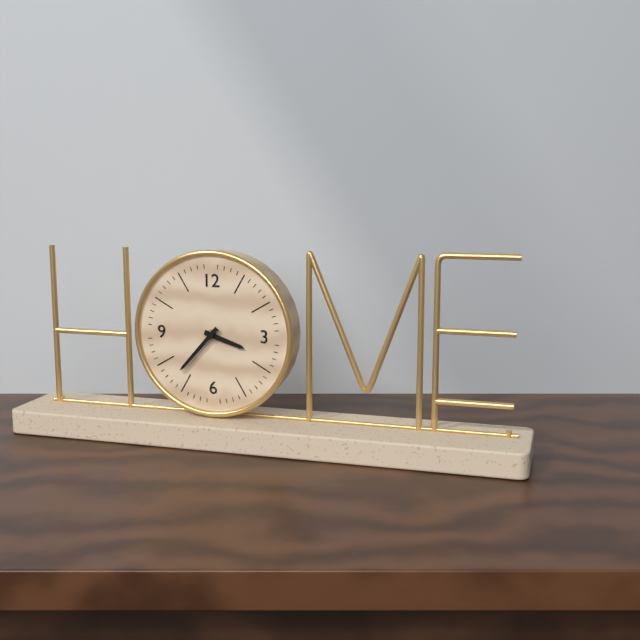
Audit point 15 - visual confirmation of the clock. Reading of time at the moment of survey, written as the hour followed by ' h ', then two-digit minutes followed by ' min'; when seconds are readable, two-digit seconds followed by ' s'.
3 h 37 min
